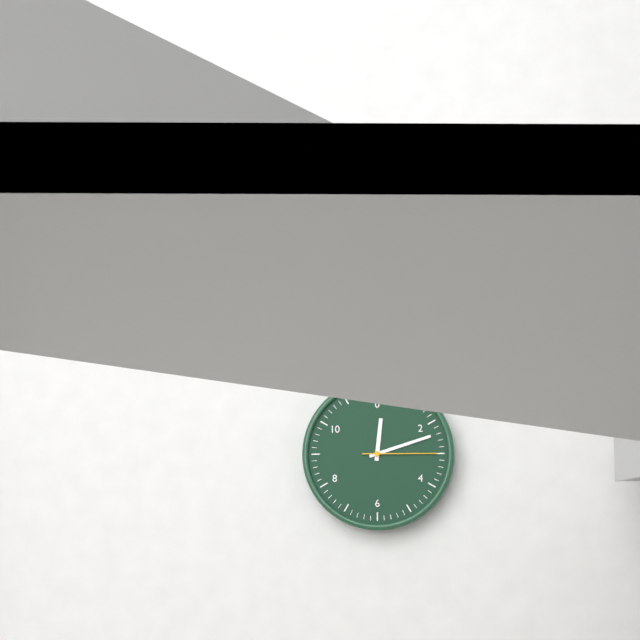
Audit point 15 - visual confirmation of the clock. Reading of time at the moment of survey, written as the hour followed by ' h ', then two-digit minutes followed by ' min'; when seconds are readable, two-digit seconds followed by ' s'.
12 h 12 min 15 s
